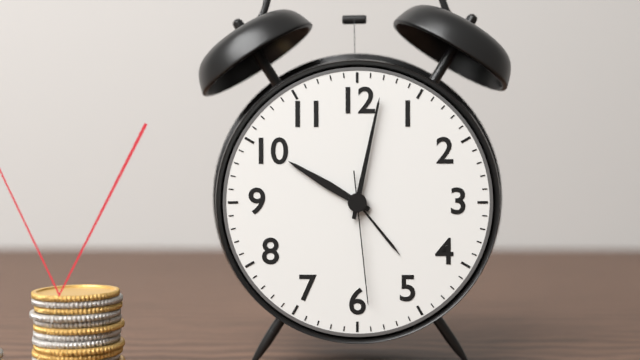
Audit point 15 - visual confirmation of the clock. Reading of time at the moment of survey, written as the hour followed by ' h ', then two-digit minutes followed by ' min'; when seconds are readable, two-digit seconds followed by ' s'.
10 h 02 min 29 s
